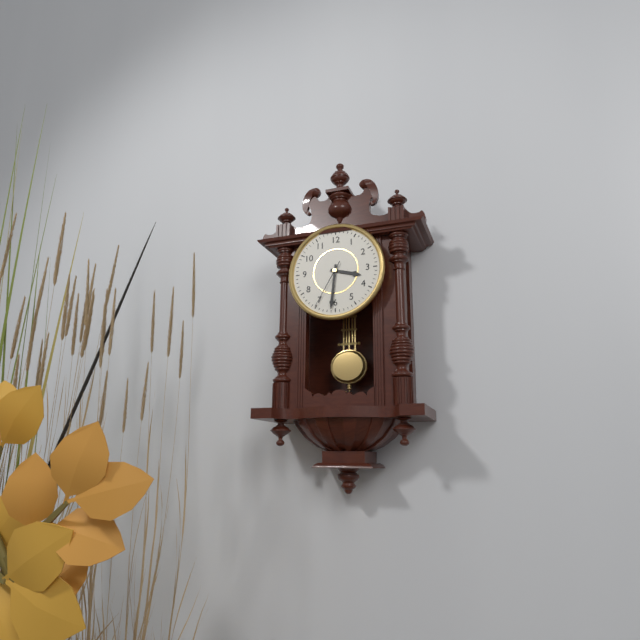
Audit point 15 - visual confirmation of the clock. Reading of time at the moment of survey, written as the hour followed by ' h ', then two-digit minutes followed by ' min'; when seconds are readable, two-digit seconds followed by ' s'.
3 h 31 min 35 s
